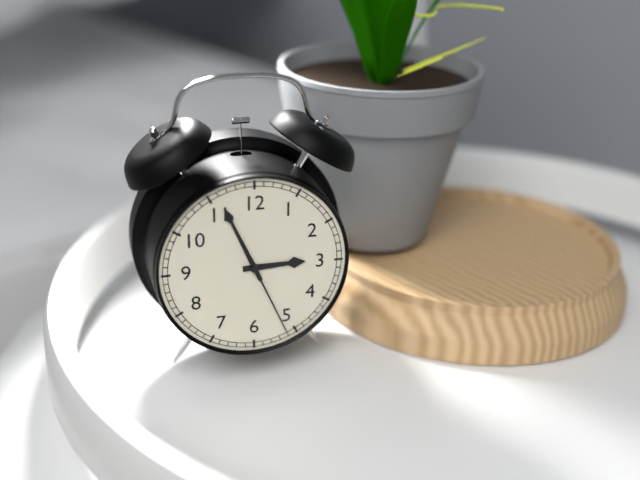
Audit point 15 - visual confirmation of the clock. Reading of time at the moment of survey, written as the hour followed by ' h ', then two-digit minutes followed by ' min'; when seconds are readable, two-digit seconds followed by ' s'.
2 h 56 min 26 s
